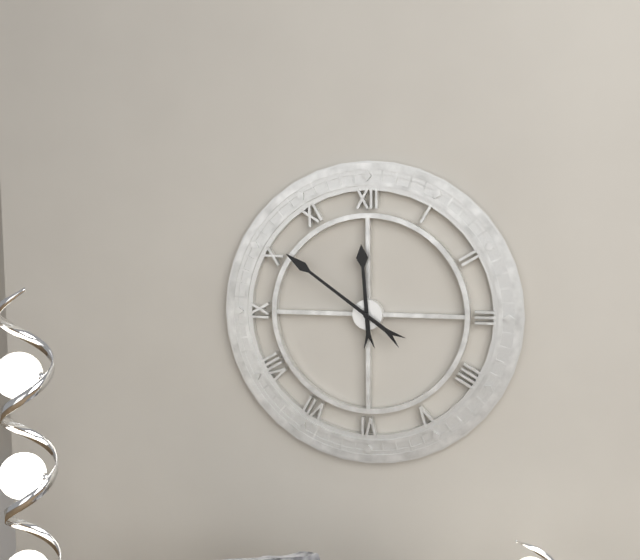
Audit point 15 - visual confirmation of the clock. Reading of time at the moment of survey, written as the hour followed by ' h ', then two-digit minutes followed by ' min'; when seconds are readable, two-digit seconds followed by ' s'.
11 h 51 min
